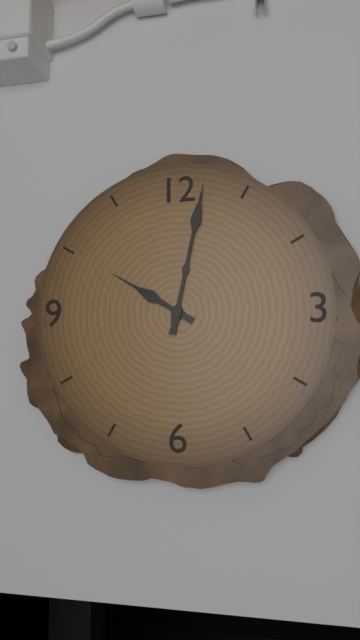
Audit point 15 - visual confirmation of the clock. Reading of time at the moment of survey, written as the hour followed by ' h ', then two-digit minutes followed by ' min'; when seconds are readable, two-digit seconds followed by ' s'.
10 h 02 min
